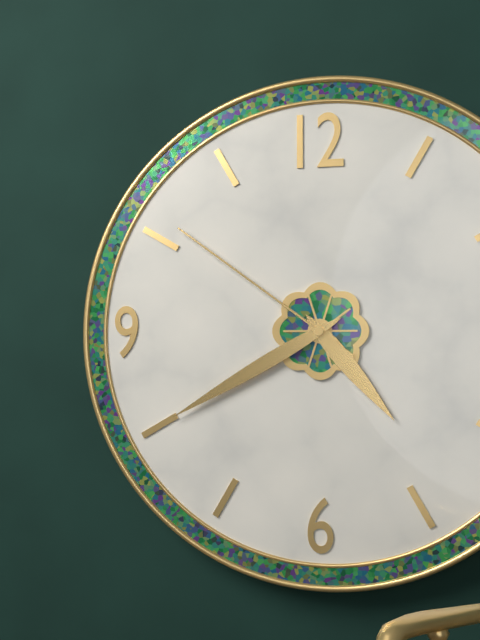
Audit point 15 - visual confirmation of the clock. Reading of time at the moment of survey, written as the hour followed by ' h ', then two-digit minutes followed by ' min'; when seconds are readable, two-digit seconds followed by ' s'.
4 h 40 min 51 s
